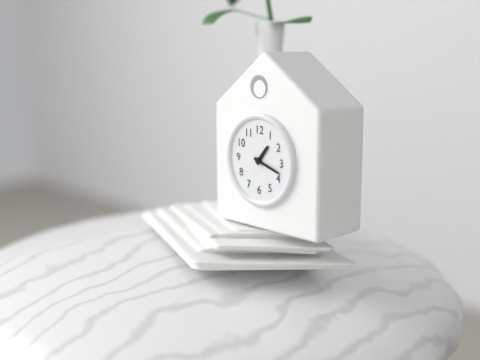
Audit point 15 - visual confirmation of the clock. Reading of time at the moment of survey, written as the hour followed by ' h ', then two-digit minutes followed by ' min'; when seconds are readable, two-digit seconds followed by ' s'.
1 h 18 min
